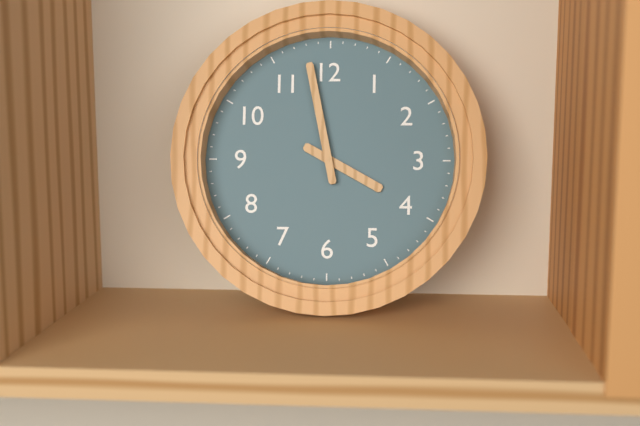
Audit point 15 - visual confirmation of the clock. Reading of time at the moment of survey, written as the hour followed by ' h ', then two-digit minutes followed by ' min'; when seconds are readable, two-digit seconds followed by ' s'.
3 h 58 min
